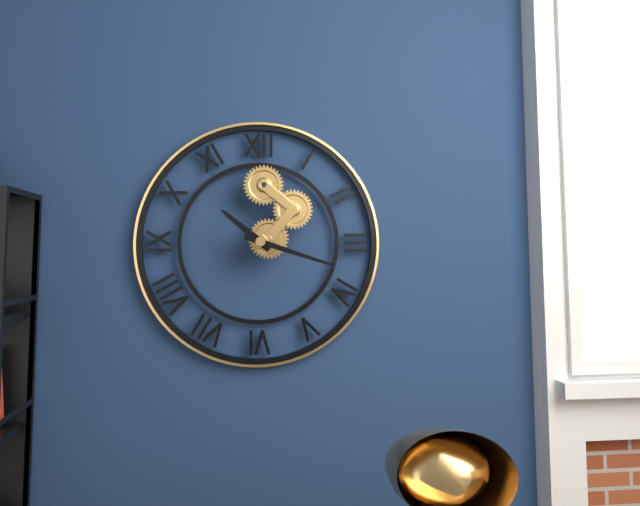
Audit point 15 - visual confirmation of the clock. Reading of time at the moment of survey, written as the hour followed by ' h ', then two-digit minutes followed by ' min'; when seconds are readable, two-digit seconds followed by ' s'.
10 h 18 min
